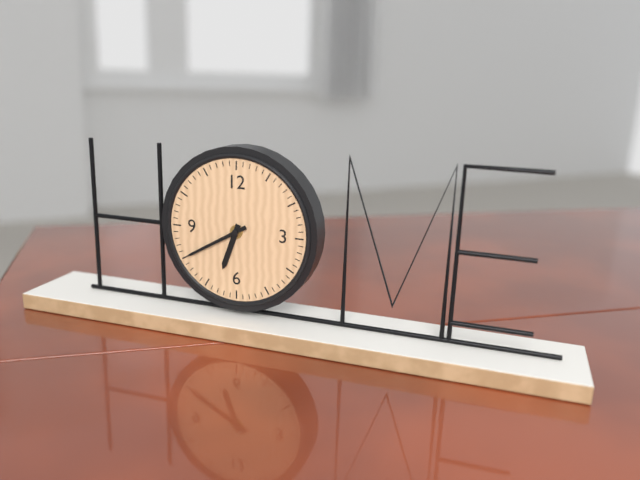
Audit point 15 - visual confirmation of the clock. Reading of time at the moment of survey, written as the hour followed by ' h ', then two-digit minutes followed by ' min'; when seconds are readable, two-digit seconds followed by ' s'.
6 h 40 min
